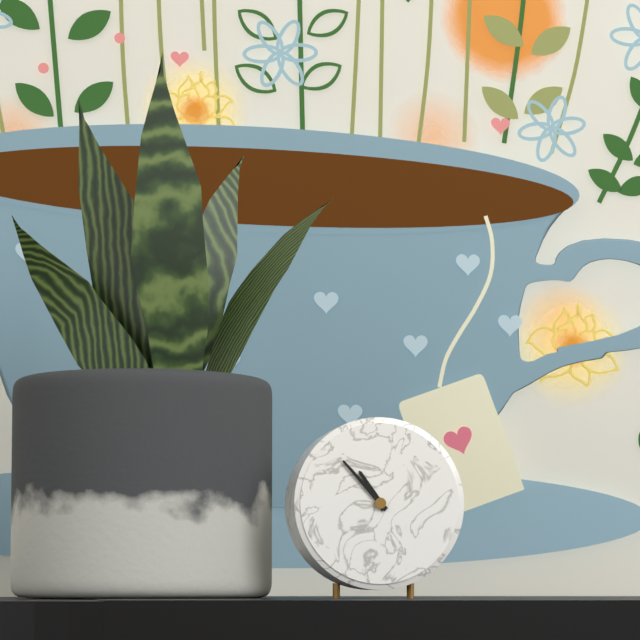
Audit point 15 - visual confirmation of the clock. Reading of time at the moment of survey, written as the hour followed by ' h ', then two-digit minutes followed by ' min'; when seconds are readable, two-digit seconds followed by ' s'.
10 h 53 min
